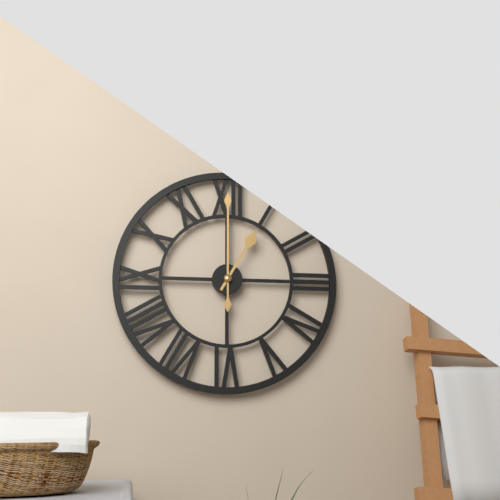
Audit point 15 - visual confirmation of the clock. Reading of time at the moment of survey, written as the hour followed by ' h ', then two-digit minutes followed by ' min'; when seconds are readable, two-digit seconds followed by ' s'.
1 h 00 min
